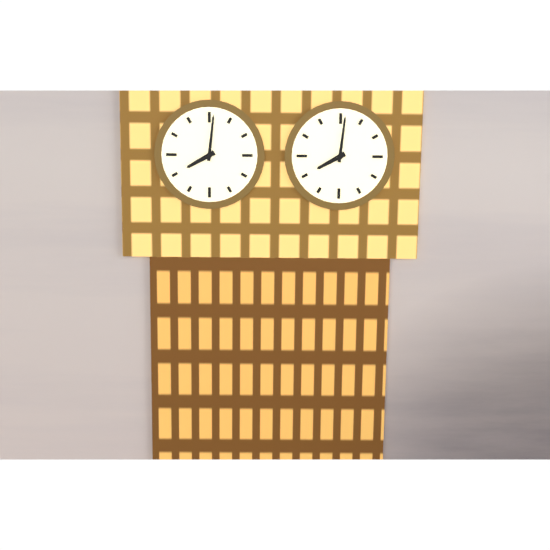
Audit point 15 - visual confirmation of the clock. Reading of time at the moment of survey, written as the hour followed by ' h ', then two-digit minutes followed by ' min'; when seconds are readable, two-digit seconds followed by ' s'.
8 h 01 min
